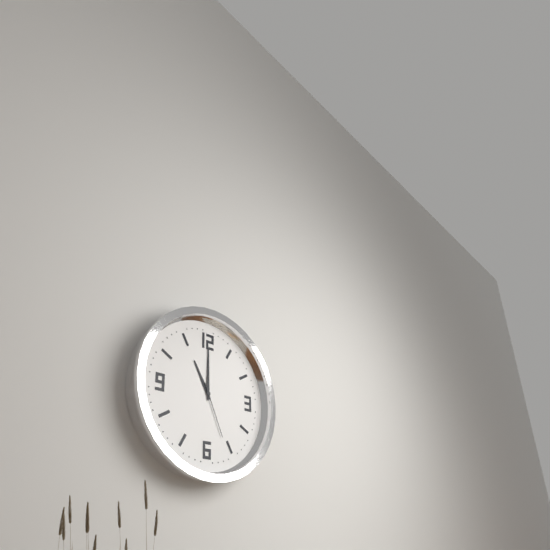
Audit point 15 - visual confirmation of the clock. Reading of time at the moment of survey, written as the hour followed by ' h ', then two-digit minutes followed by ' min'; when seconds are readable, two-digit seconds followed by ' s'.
11 h 00 min 26 s
